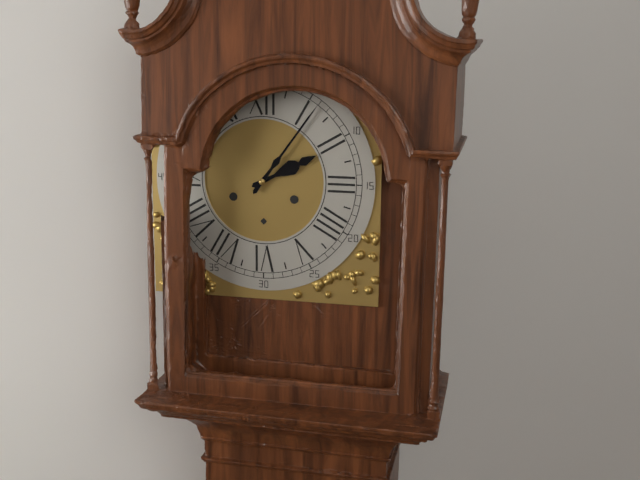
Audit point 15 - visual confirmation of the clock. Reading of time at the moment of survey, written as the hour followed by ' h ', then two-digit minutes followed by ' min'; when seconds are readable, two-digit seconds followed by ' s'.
2 h 06 min
